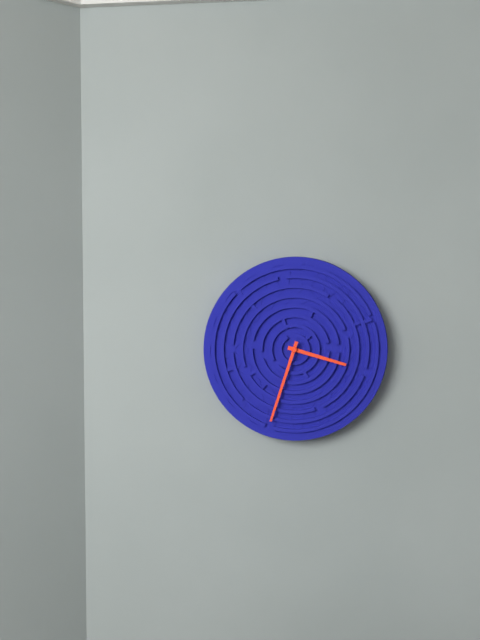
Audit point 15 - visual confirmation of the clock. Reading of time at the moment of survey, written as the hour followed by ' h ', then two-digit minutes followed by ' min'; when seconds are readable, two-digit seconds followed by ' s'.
3 h 33 min
